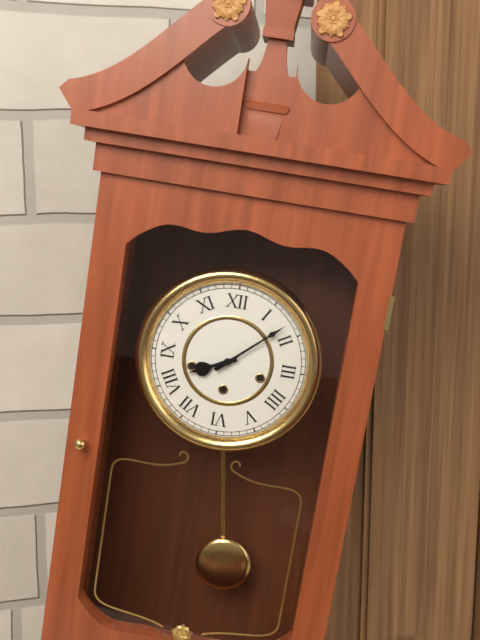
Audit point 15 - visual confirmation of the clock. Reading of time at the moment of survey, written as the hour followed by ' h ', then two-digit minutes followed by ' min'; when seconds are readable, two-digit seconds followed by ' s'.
8 h 08 min
